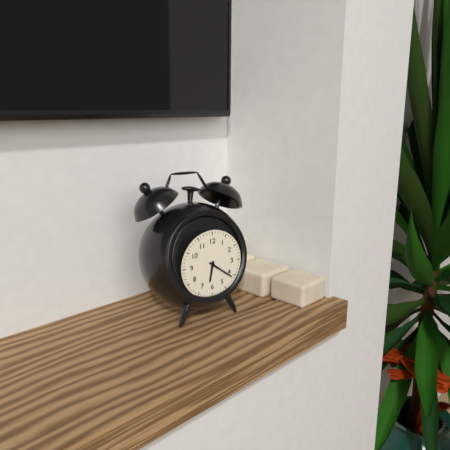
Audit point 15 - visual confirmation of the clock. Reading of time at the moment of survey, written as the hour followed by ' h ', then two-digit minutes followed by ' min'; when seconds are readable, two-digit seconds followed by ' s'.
6 h 21 min
